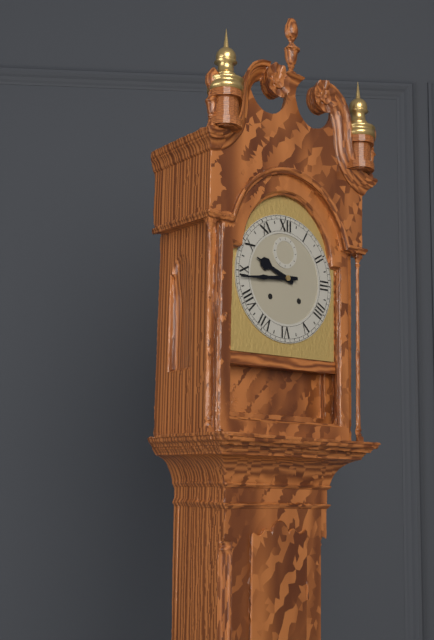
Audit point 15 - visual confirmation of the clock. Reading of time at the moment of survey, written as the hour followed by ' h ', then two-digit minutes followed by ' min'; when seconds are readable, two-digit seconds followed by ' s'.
9 h 44 min
